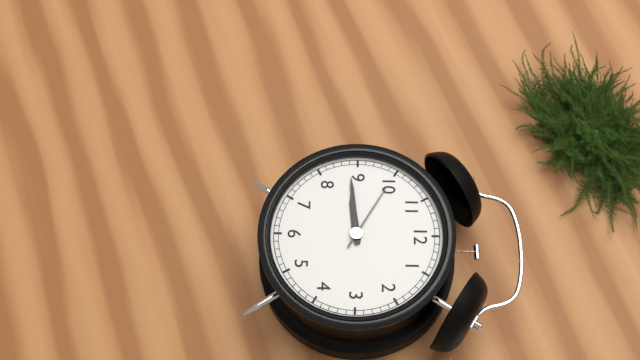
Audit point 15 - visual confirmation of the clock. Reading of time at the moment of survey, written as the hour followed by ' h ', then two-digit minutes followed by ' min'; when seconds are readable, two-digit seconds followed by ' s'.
8 h 44 min 50 s
